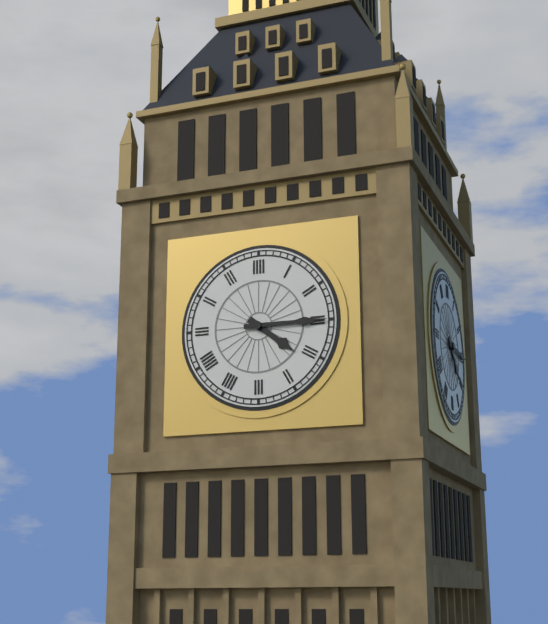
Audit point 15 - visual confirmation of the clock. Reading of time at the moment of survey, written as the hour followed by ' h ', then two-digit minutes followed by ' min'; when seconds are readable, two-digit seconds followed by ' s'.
4 h 15 min
